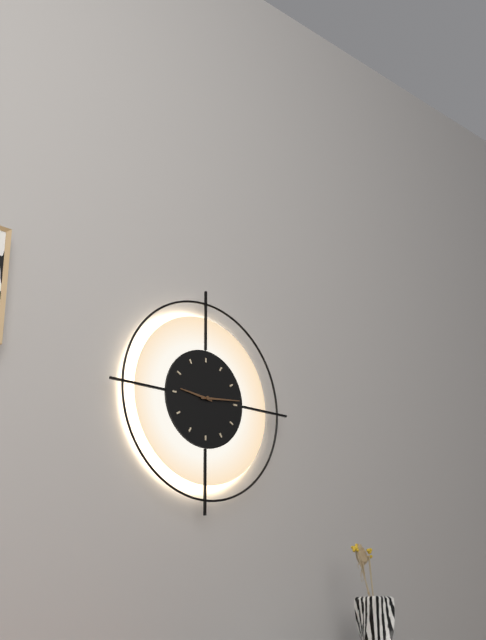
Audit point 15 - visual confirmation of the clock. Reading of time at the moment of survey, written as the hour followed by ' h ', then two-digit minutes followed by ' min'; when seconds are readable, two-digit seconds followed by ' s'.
9 h 14 min
